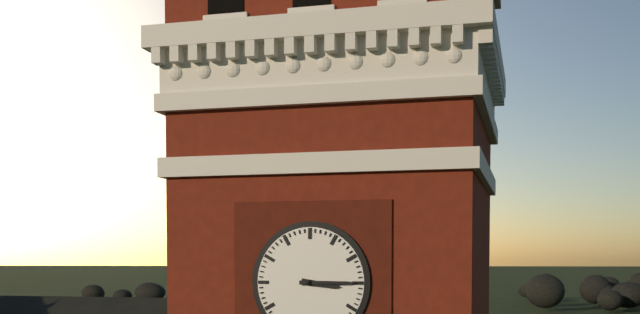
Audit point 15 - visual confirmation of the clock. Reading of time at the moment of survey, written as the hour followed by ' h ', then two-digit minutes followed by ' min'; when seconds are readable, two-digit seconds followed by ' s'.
3 h 15 min
